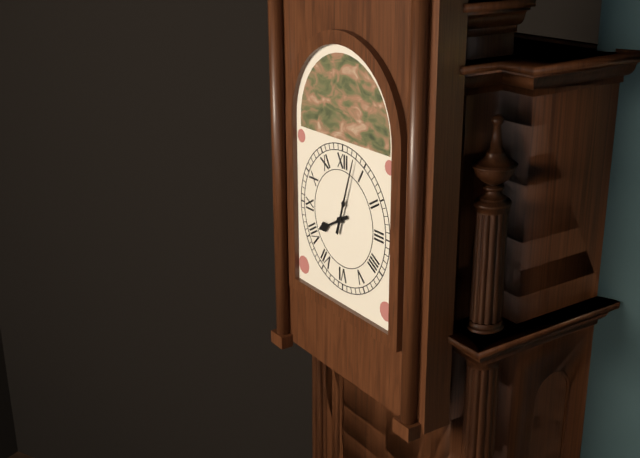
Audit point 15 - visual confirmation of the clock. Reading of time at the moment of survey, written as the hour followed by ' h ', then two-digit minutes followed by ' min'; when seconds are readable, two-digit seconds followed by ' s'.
8 h 03 min
